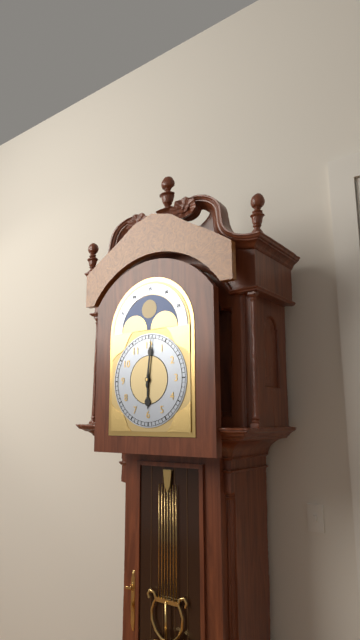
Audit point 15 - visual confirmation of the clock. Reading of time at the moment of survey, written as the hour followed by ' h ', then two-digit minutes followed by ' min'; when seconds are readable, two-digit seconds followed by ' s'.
6 h 01 min
